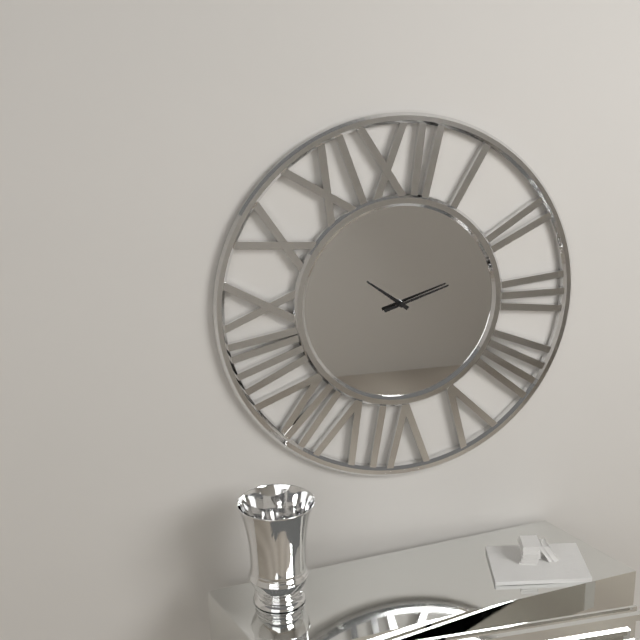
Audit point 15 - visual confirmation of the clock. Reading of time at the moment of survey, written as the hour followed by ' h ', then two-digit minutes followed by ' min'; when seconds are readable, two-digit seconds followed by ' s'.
10 h 12 min
